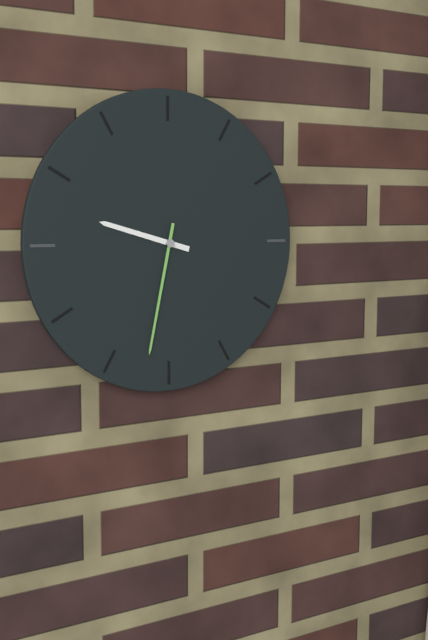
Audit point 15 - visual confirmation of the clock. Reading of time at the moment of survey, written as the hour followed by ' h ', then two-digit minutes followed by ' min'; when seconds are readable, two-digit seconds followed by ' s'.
9 h 32 min
